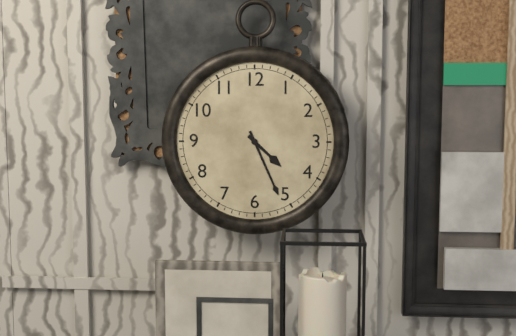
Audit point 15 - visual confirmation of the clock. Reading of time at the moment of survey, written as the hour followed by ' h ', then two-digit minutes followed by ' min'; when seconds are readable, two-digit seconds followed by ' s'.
4 h 26 min
